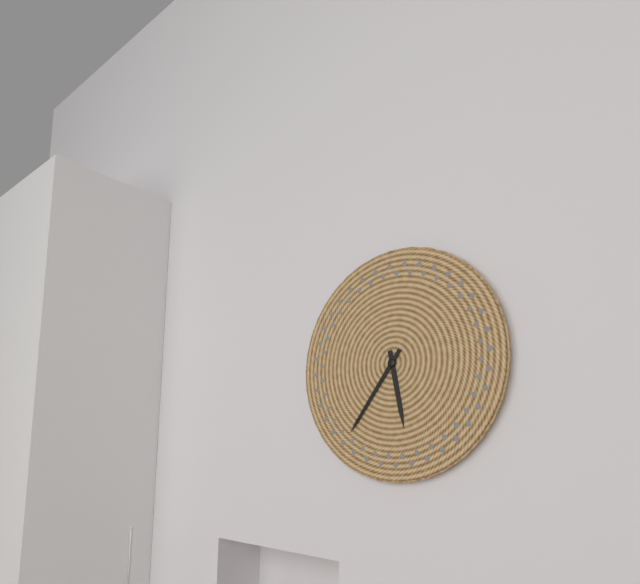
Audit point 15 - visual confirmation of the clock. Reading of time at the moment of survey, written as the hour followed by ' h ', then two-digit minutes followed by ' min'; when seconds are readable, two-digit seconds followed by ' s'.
5 h 36 min
